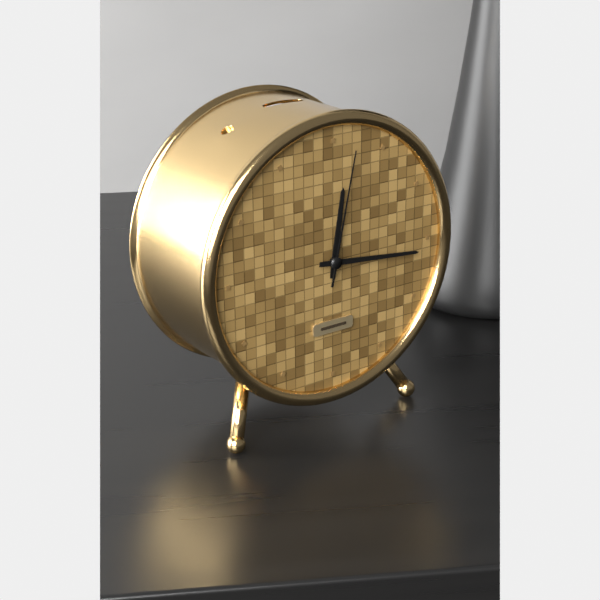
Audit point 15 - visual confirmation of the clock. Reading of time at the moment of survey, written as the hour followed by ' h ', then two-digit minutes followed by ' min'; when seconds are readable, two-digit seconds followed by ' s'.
12 h 16 min 02 s
